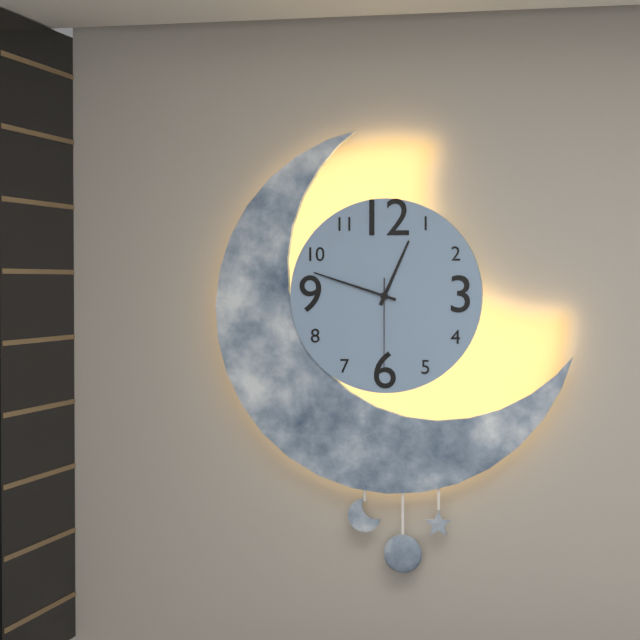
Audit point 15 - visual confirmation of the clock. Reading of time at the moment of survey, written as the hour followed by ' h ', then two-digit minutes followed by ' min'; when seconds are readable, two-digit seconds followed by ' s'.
12 h 48 min 30 s
